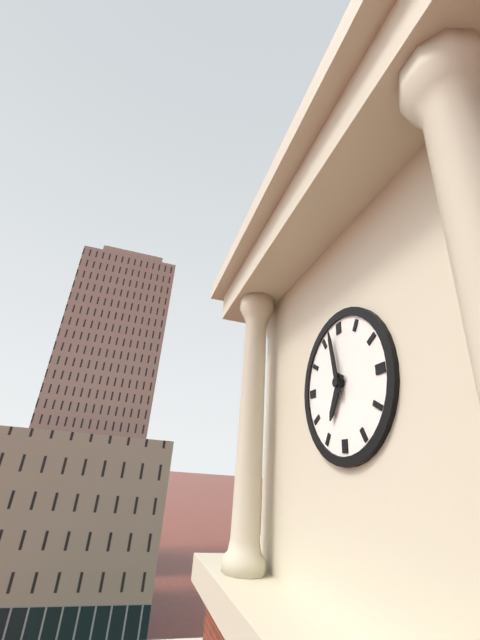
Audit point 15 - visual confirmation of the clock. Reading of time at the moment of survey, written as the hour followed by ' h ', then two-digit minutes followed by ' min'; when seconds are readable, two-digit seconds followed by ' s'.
6 h 58 min
